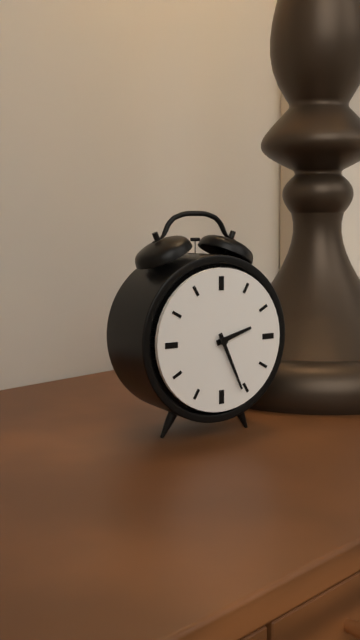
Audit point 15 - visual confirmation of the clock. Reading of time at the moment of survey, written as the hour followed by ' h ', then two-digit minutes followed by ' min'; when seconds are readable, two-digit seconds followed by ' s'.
2 h 26 min
